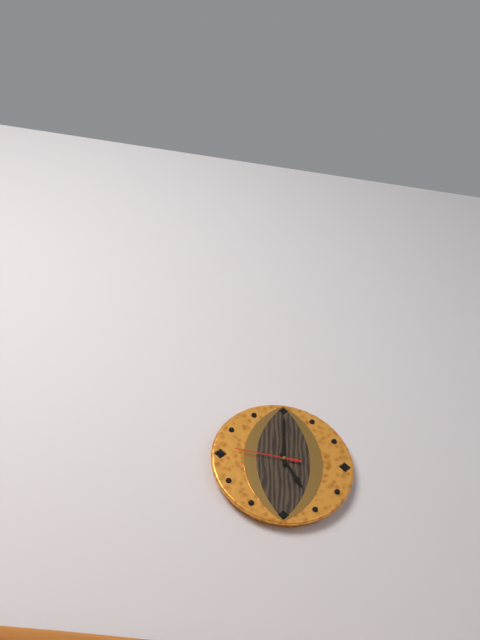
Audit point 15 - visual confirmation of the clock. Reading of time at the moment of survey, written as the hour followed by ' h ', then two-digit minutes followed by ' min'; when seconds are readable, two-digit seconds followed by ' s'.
5 h 00 min 46 s
